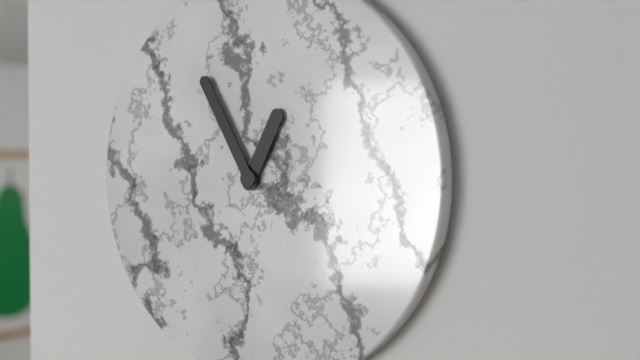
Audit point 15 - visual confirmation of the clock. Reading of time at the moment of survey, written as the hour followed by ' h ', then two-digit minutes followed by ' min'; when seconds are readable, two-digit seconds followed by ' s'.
12 h 55 min
